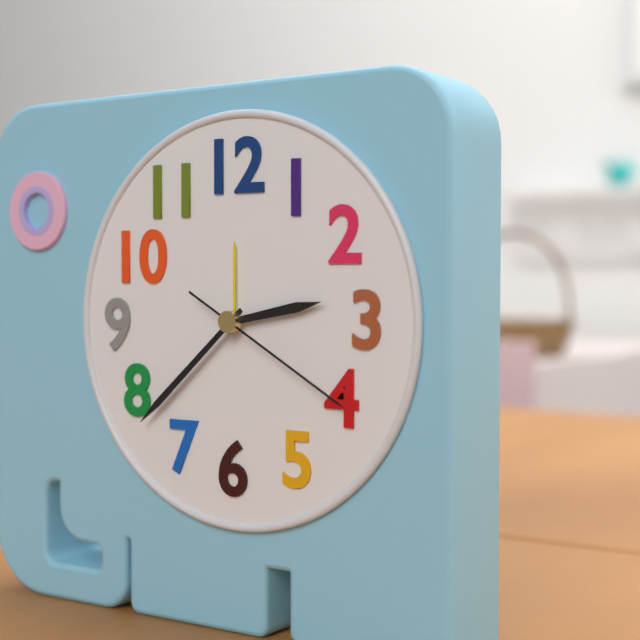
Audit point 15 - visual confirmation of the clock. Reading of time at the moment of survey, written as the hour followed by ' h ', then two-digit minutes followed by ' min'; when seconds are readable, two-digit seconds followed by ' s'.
2 h 38 min 20 s
